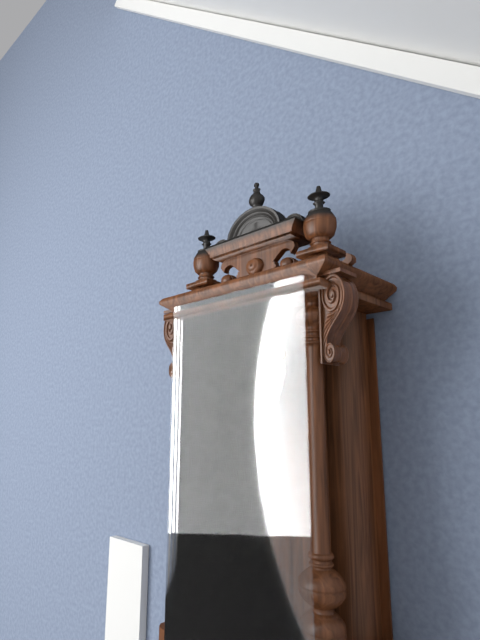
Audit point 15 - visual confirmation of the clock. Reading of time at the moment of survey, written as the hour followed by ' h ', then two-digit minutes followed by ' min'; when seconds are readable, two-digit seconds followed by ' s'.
2 h 52 min
